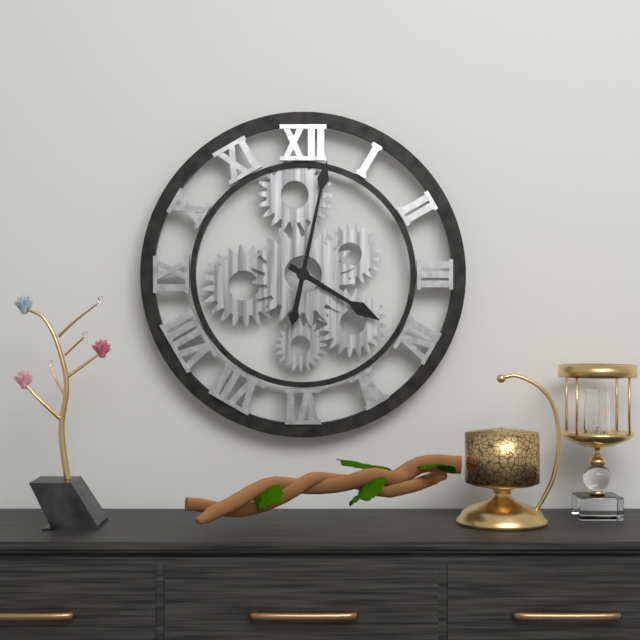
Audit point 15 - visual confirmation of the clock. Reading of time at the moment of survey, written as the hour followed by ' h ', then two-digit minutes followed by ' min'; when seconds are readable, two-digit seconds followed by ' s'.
4 h 02 min
